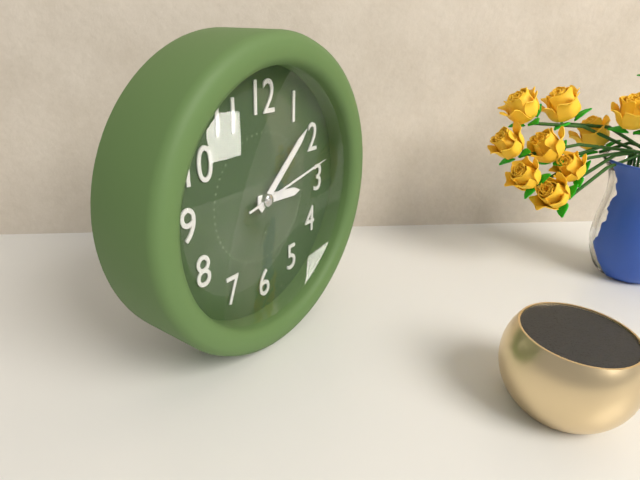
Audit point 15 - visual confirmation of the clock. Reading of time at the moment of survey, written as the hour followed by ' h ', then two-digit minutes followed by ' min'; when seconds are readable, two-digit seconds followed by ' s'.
3 h 08 min 13 s
